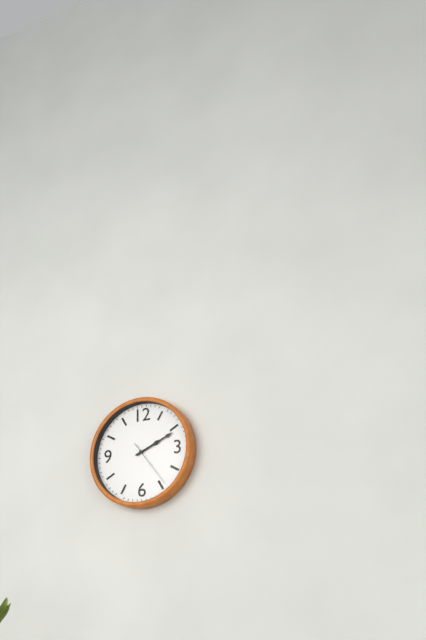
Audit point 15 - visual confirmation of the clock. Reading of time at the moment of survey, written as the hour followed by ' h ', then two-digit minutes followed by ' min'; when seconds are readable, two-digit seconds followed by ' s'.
2 h 11 min
